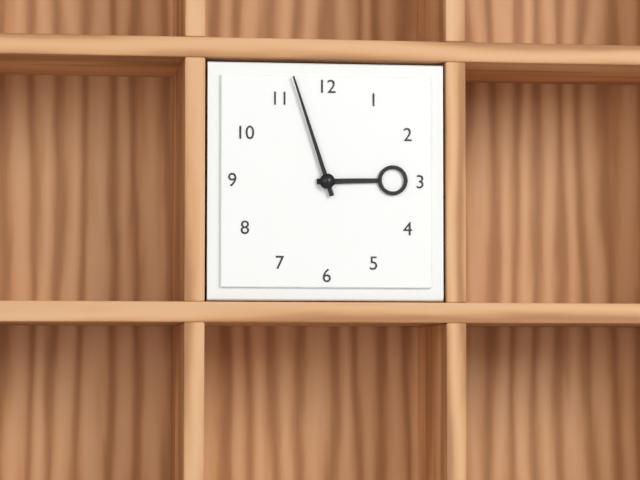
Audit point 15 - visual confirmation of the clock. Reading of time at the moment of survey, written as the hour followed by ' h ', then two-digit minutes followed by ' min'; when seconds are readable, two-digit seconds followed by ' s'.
2 h 57 min
